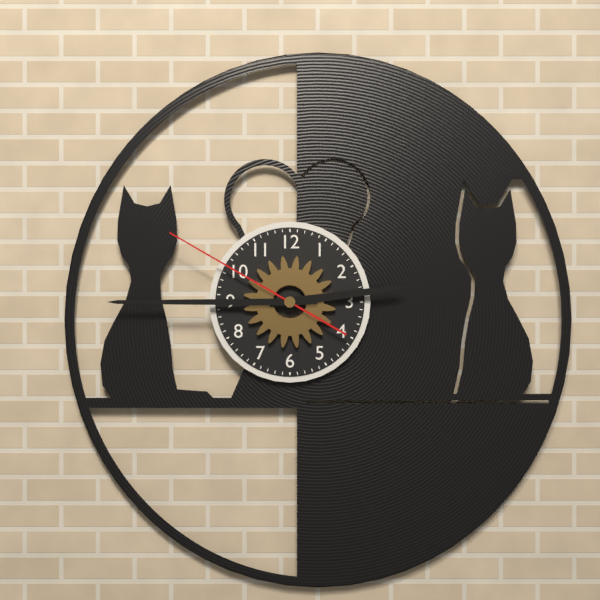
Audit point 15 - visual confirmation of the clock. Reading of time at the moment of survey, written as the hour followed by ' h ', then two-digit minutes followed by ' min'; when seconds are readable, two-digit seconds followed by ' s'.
2 h 45 min 50 s
